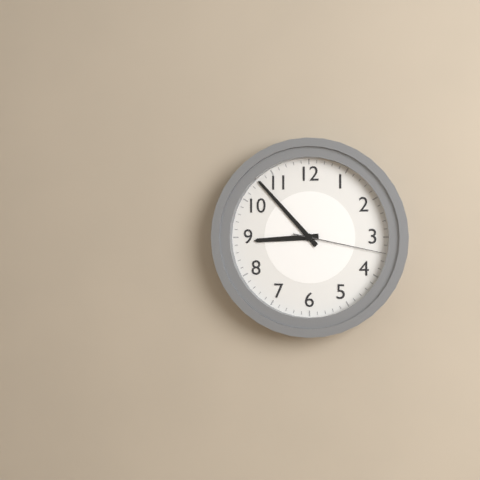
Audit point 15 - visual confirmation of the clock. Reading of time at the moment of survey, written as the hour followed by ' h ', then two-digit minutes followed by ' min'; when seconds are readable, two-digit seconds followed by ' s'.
8 h 53 min 17 s
